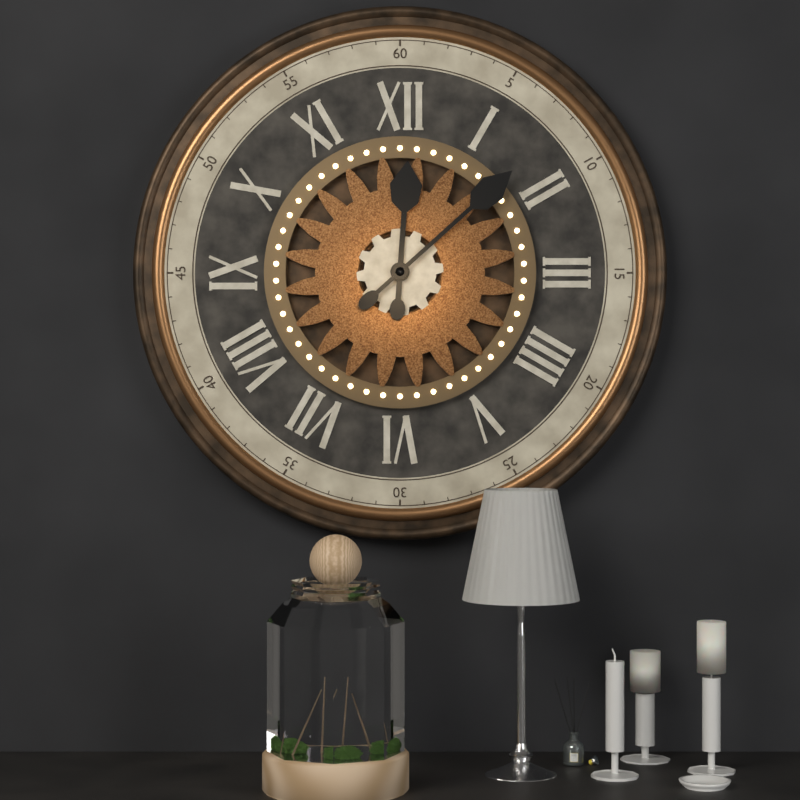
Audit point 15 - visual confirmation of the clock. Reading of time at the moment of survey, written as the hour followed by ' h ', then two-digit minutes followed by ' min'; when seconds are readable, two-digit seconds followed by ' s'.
12 h 08 min
